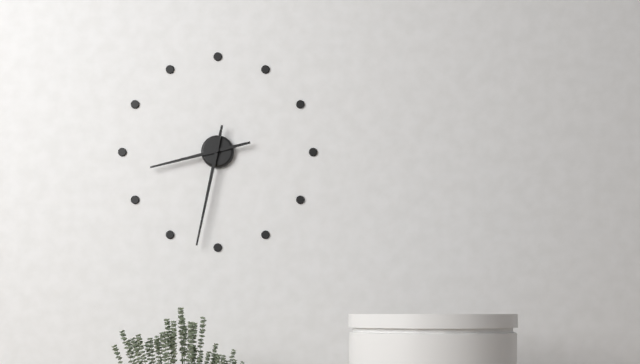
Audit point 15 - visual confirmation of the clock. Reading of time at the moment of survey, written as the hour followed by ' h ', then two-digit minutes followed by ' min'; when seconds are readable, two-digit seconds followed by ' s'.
8 h 32 min
